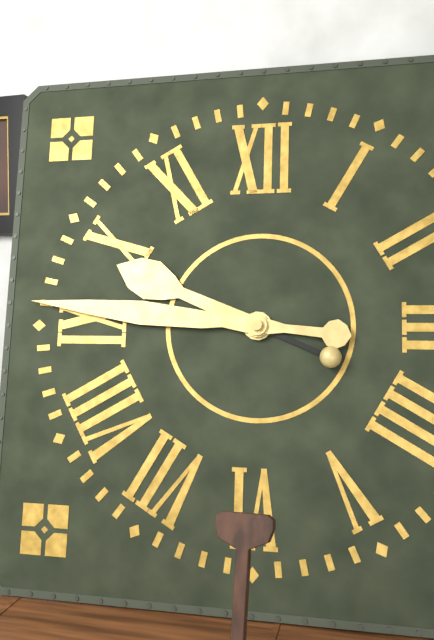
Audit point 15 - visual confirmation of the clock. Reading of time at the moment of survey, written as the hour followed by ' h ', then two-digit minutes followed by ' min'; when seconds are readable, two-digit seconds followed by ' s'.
9 h 46 min
